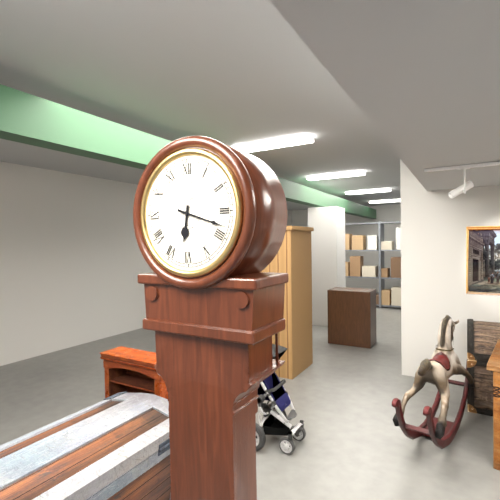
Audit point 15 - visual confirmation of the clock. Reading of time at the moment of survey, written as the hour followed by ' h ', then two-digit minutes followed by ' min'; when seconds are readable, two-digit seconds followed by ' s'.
6 h 18 min
